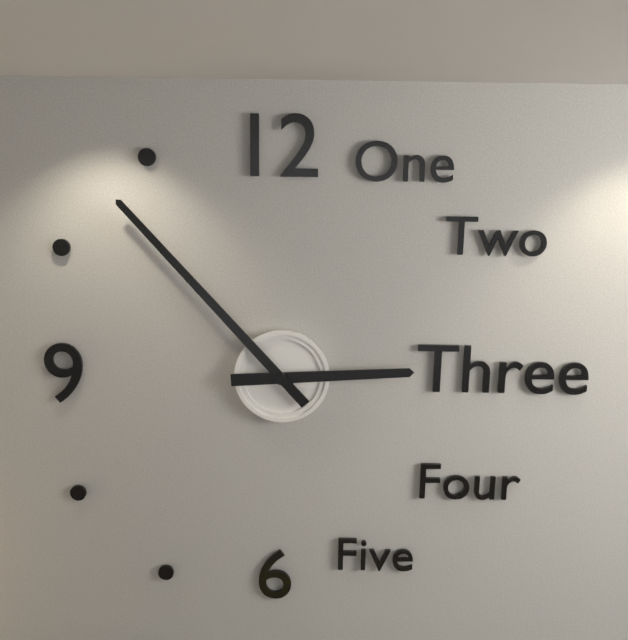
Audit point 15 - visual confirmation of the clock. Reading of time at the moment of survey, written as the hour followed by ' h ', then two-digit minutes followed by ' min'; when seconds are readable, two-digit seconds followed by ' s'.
2 h 53 min
